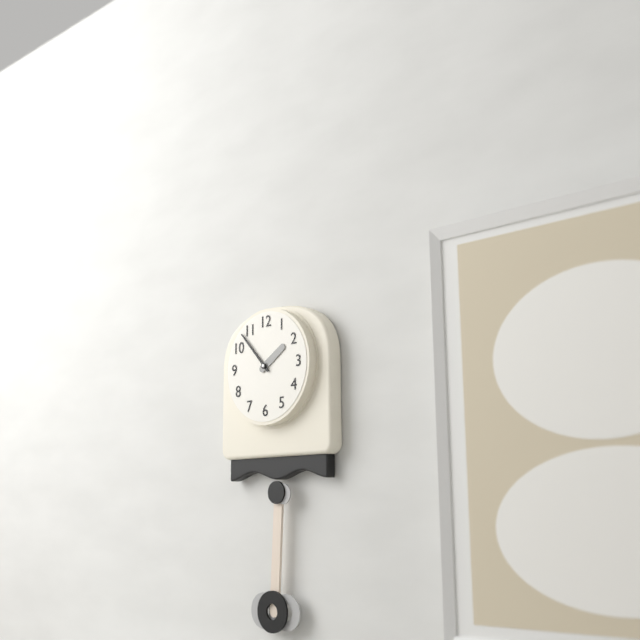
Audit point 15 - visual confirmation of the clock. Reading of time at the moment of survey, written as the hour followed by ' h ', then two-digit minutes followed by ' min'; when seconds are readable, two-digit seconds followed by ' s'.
1 h 53 min
